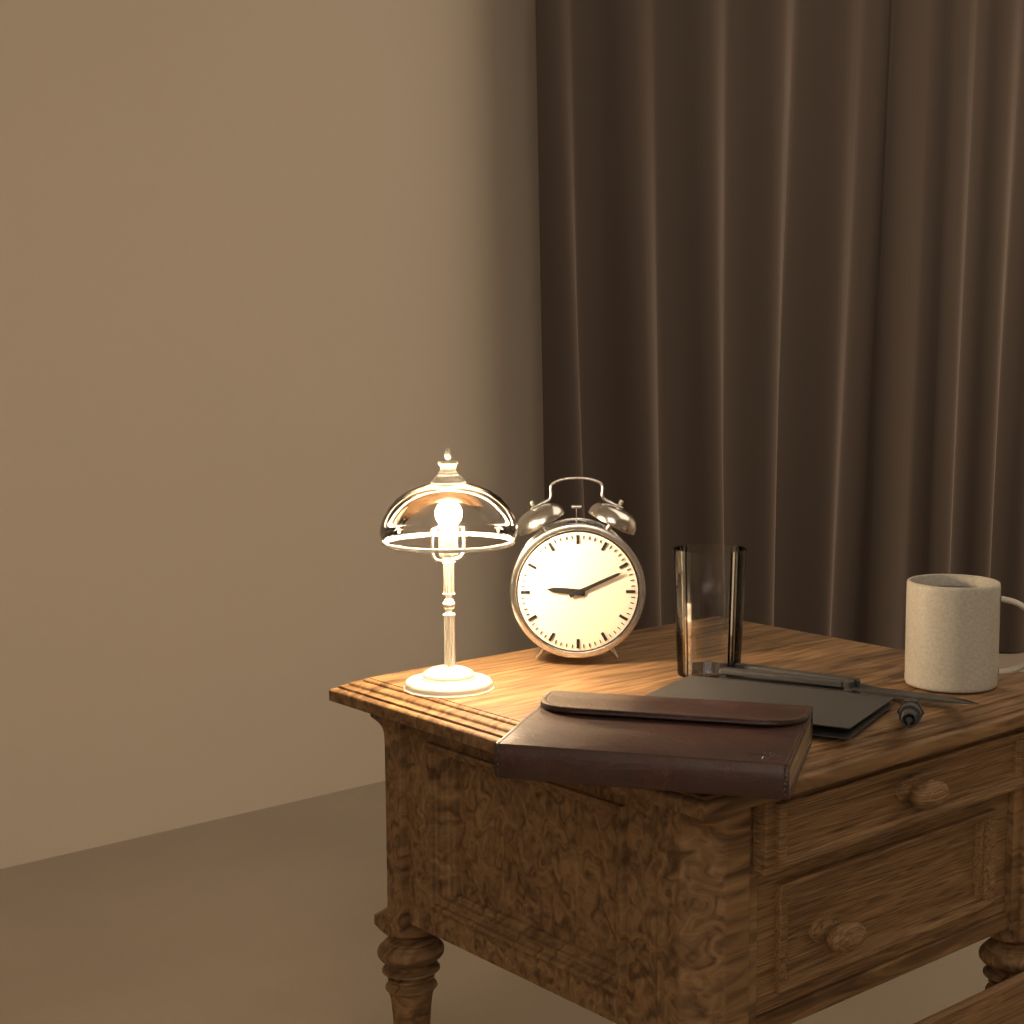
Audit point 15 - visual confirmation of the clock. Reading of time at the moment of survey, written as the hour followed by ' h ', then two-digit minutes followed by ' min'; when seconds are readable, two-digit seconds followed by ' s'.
9 h 11 min
